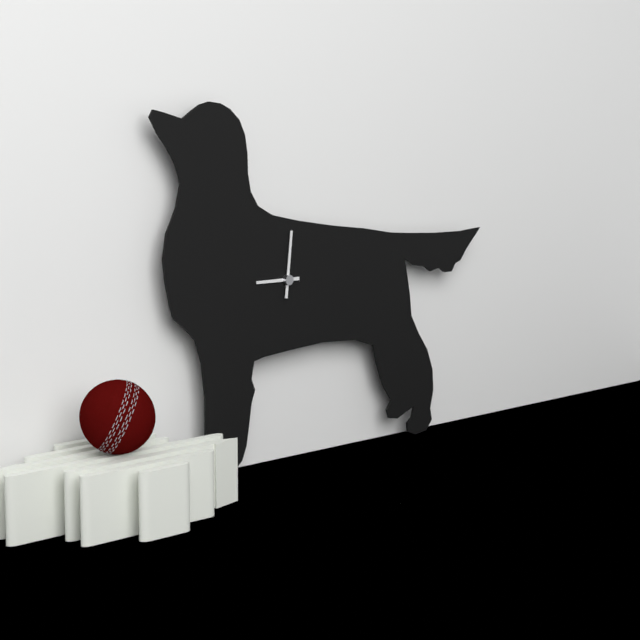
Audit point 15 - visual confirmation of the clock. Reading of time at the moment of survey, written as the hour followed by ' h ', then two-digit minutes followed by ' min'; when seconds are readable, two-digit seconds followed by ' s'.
9 h 01 min
